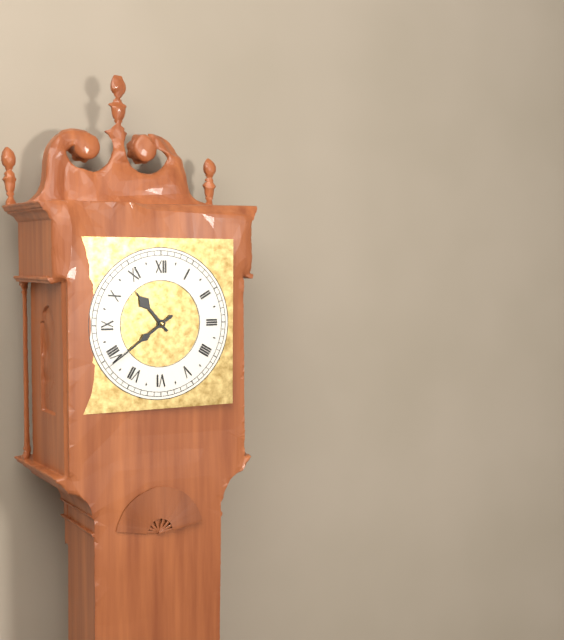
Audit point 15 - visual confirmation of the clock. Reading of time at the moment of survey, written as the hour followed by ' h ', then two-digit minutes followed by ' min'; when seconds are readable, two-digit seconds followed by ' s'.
10 h 39 min
